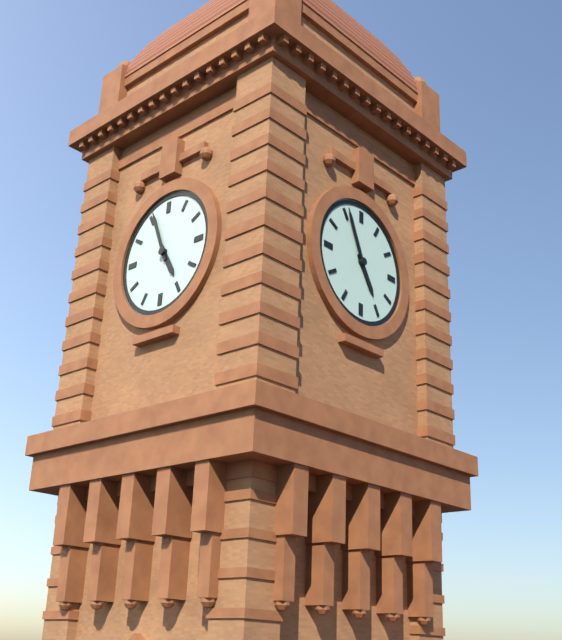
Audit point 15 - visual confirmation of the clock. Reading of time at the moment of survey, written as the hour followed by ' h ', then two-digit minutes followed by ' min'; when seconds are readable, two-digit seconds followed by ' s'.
4 h 56 min
